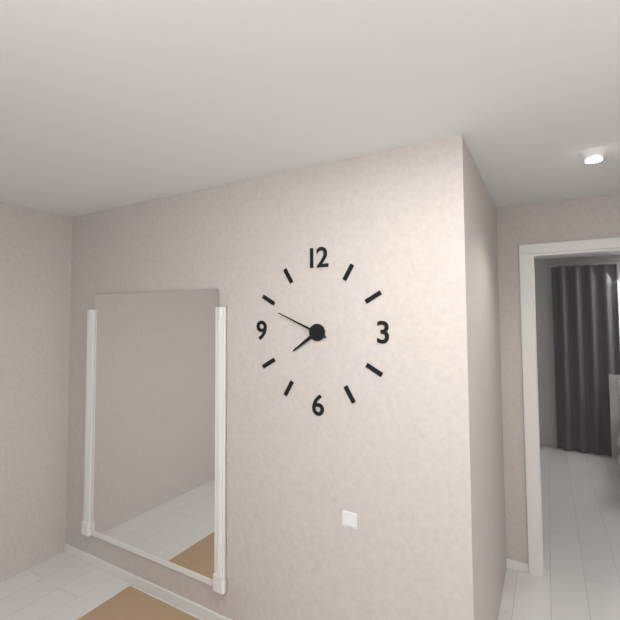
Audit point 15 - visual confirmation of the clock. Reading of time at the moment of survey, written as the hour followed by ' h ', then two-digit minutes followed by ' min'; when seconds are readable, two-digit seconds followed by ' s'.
7 h 49 min
